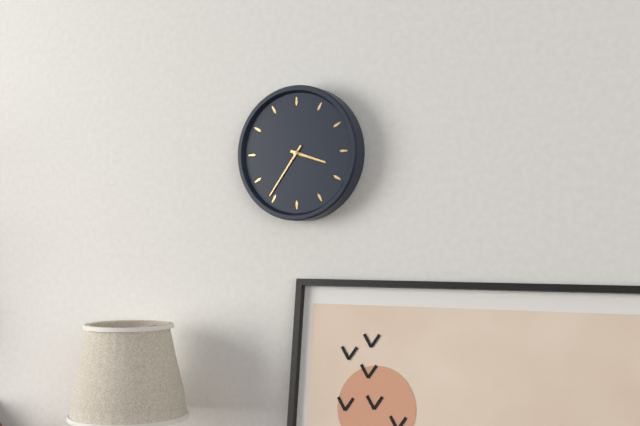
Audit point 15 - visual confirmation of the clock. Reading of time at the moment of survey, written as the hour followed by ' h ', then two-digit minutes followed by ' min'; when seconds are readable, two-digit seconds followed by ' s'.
3 h 36 min
